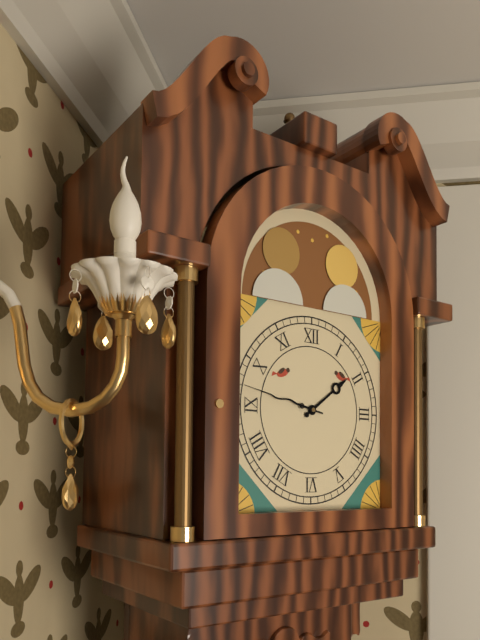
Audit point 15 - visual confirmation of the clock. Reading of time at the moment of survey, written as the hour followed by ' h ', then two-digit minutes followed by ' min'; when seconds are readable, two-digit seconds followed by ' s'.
1 h 47 min
